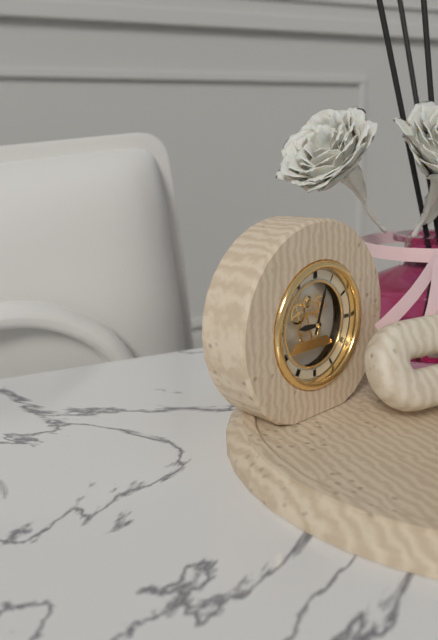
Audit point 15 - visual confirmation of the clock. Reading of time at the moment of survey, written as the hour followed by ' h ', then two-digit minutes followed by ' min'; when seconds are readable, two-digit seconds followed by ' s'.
9 h 03 min
